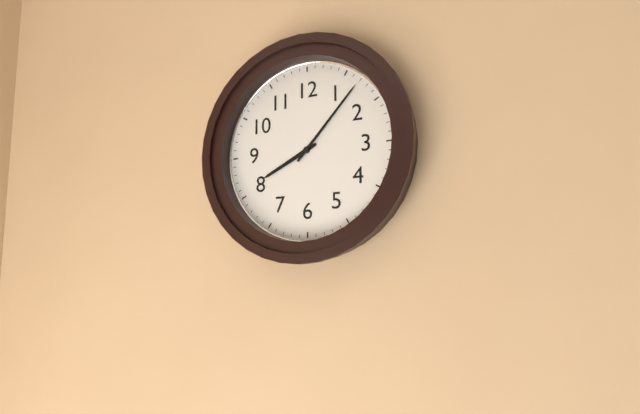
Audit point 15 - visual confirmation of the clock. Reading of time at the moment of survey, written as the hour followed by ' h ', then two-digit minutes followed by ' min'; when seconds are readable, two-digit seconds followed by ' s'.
8 h 07 min
